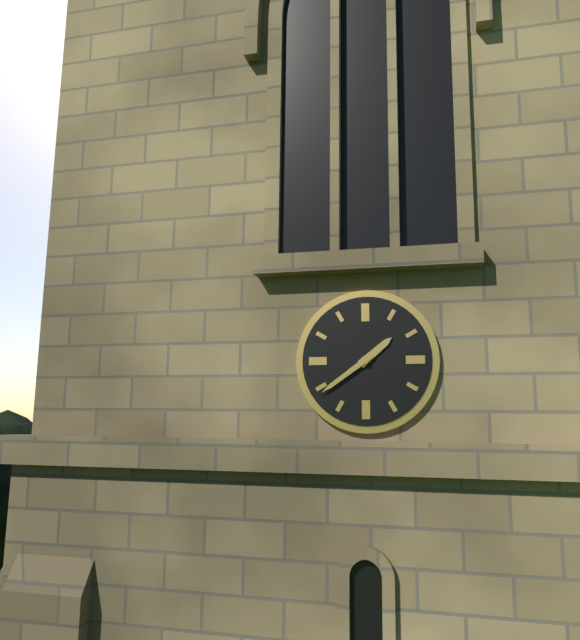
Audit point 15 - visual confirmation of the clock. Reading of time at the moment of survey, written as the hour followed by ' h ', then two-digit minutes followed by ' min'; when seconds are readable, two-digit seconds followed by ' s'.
1 h 39 min
